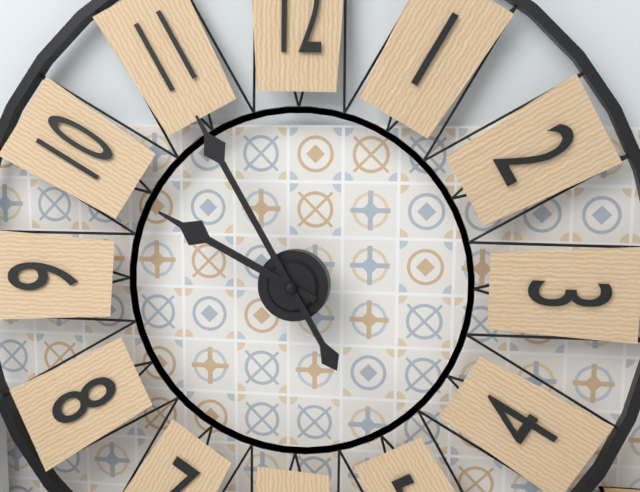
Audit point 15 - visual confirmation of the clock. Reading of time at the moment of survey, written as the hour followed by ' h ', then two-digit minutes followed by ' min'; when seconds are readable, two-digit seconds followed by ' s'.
9 h 55 min
